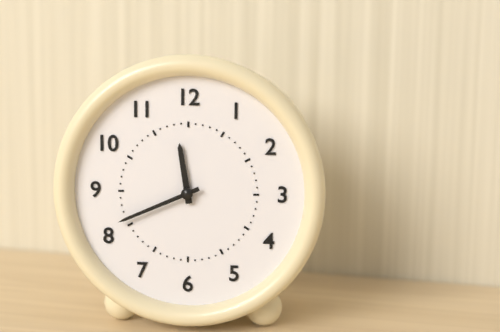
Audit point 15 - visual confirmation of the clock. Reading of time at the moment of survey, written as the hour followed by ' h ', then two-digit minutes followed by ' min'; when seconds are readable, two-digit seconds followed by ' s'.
11 h 41 min
